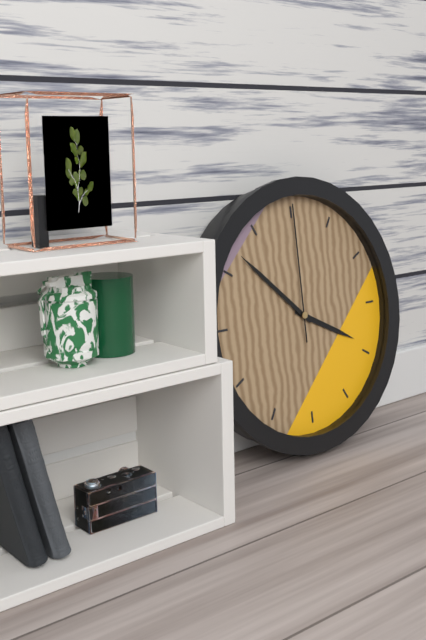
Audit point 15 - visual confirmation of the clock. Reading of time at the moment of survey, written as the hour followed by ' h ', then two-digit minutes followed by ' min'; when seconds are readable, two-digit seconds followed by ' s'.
3 h 52 min 00 s
